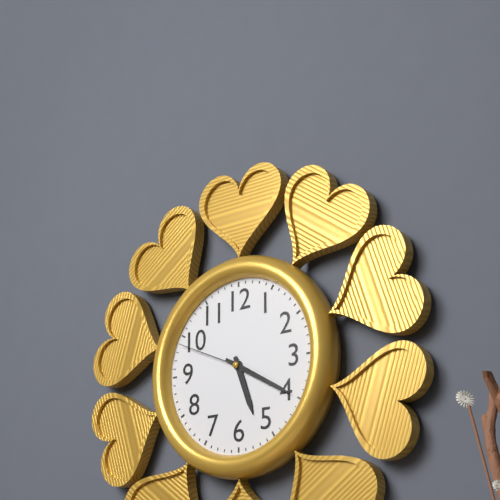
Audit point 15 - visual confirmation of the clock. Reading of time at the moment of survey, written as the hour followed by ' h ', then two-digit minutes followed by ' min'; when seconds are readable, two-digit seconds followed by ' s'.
5 h 20 min 49 s
